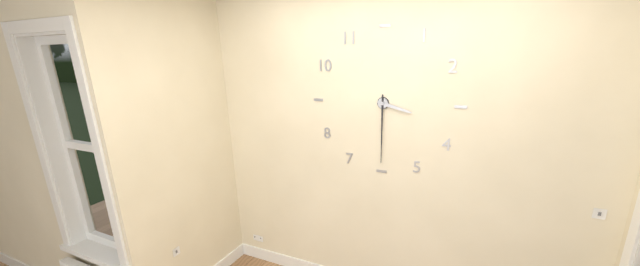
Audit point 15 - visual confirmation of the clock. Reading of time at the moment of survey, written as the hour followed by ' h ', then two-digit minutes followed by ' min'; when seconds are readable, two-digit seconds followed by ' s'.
3 h 30 min
